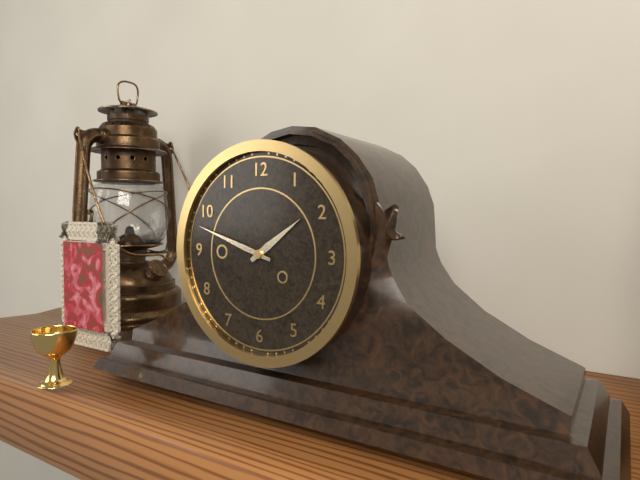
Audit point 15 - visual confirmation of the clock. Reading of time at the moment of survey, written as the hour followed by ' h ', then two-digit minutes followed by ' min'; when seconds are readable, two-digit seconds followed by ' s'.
1 h 48 min
